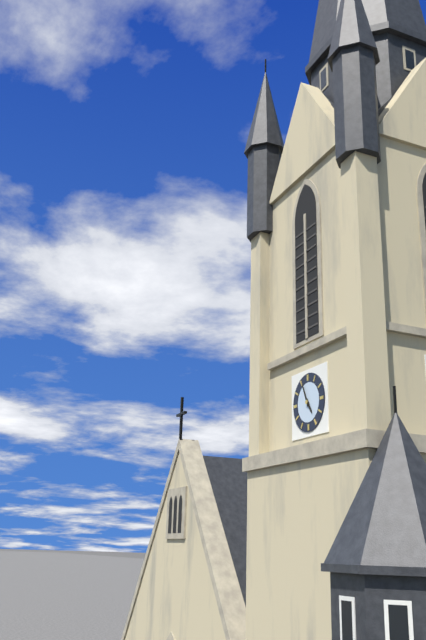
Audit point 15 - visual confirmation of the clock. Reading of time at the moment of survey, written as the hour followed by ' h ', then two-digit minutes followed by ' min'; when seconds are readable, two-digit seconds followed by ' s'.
4 h 56 min
